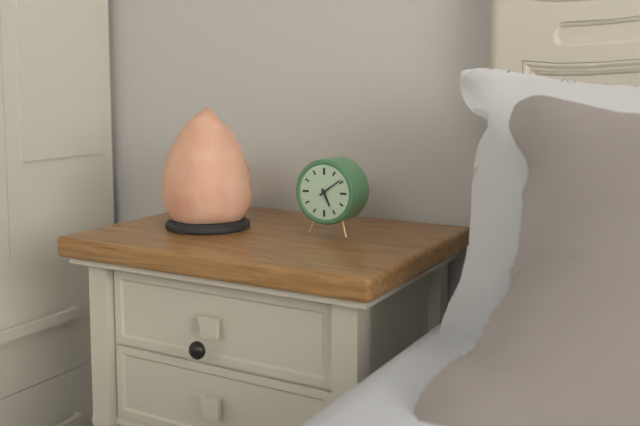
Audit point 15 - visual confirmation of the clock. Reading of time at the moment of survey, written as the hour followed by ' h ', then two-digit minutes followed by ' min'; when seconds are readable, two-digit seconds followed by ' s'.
5 h 09 min
